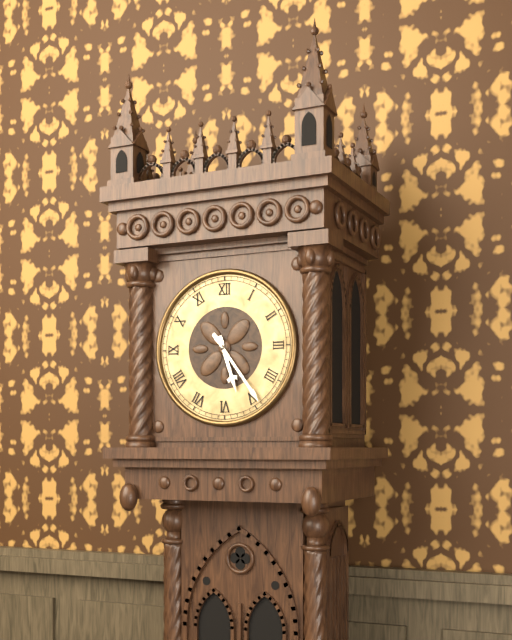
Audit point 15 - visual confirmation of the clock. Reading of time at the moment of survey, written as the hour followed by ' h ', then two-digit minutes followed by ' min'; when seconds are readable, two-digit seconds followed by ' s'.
5 h 24 min
